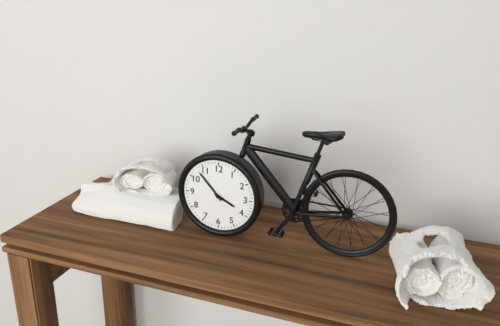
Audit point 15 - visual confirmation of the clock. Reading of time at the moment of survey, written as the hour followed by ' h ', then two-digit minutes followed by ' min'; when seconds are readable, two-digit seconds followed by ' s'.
3 h 53 min
